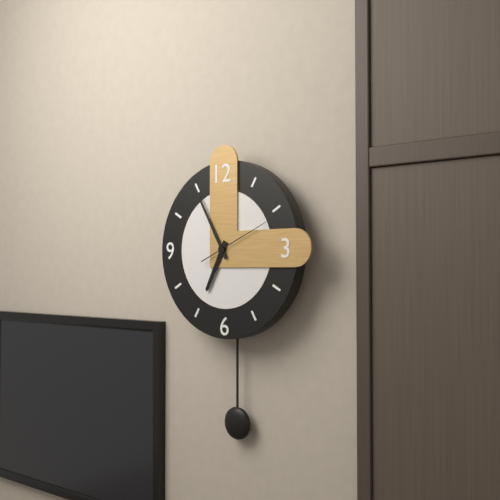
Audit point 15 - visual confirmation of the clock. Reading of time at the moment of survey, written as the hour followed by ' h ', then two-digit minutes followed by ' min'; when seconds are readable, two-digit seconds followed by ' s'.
6 h 55 min
